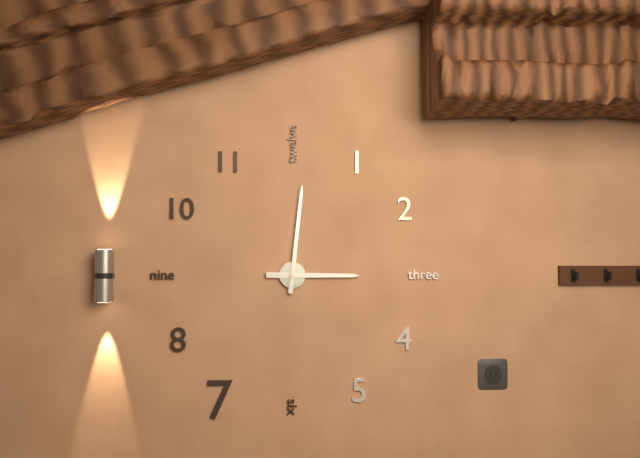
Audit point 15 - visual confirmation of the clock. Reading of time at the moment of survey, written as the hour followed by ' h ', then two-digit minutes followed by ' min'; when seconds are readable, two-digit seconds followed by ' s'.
3 h 01 min
